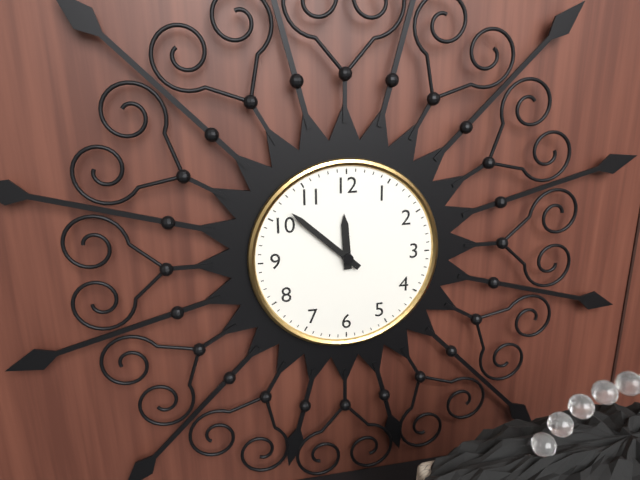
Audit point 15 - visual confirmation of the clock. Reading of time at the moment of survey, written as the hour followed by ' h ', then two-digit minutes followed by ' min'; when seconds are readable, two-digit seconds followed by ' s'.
11 h 52 min
